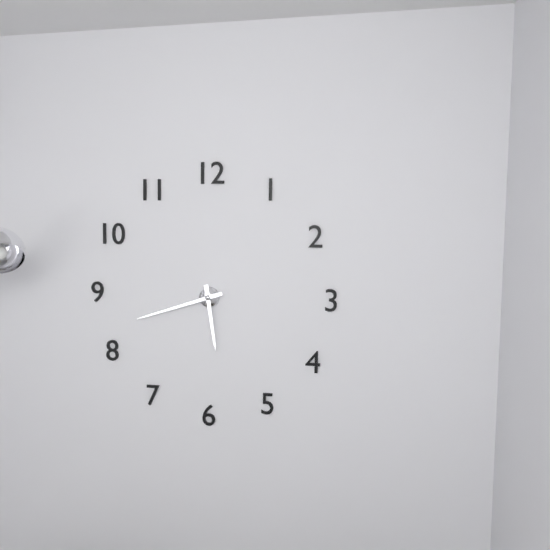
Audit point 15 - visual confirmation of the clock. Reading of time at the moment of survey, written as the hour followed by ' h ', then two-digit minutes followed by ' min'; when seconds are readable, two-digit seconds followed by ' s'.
5 h 42 min
